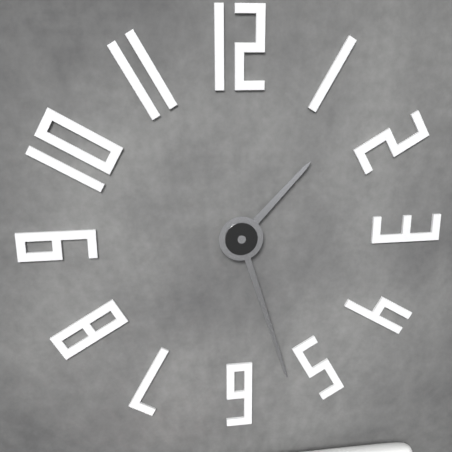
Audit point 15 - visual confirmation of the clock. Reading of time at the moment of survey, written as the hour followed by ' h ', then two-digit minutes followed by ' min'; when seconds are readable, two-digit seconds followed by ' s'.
1 h 27 min
